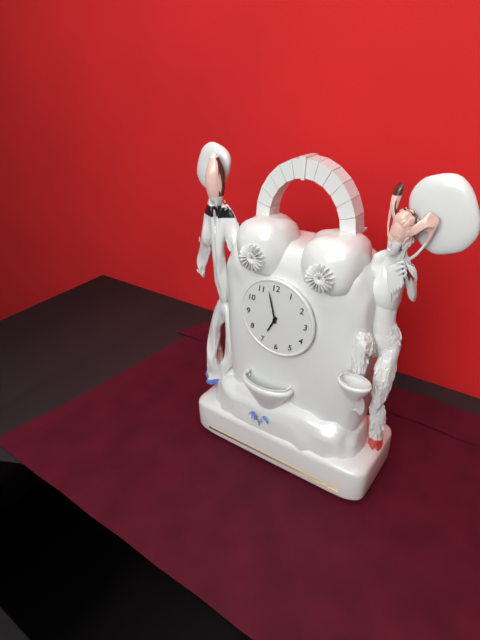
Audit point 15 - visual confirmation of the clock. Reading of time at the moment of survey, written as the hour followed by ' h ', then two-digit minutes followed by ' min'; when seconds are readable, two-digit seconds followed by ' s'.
6 h 58 min
